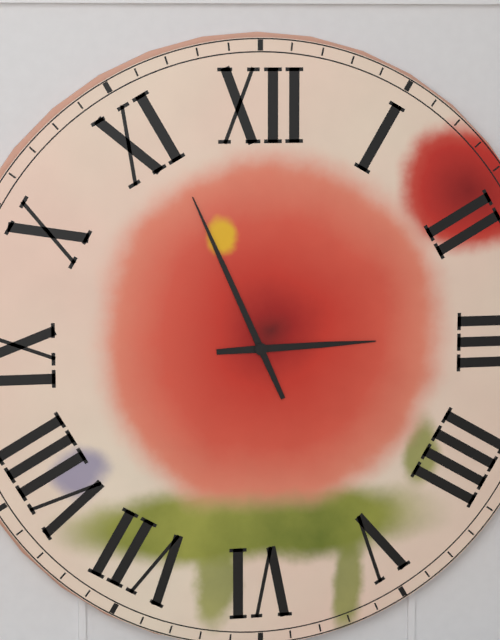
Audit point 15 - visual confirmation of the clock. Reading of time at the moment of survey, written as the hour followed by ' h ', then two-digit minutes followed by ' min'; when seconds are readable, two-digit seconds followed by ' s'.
2 h 56 min
